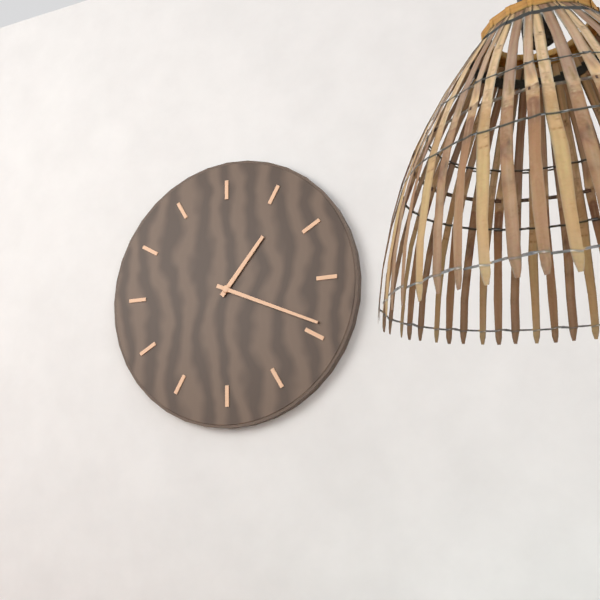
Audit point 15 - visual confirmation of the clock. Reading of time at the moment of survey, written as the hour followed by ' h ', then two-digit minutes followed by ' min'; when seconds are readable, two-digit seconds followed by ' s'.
1 h 19 min
